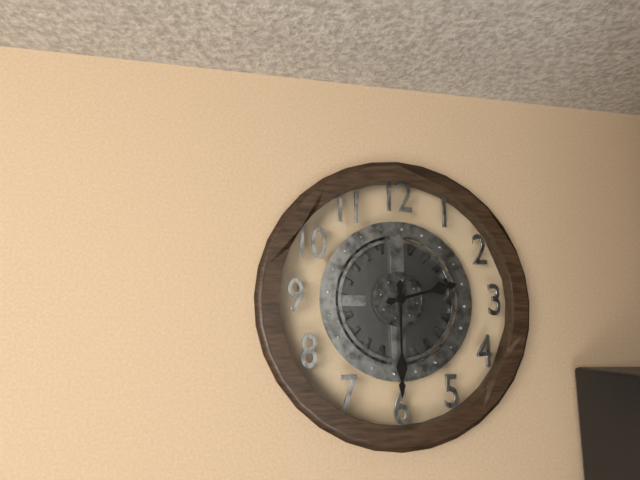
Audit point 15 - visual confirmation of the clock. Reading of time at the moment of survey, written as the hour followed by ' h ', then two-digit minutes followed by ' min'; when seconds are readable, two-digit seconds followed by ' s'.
2 h 30 min
